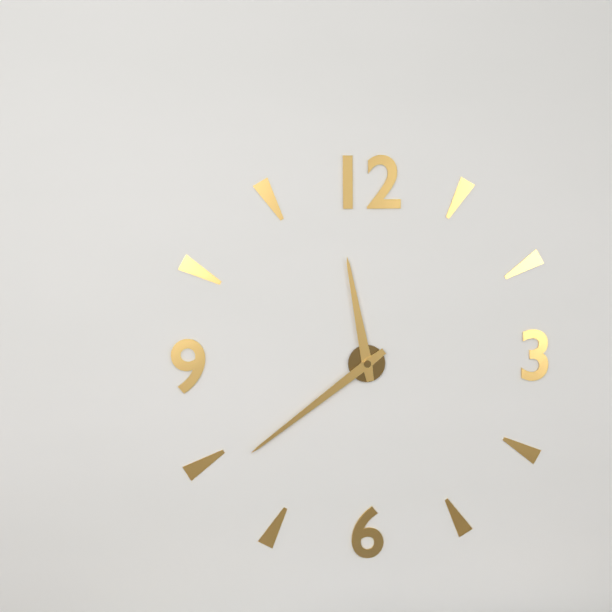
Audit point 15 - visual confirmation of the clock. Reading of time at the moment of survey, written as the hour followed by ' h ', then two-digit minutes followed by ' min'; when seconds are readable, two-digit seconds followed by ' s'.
11 h 39 min
